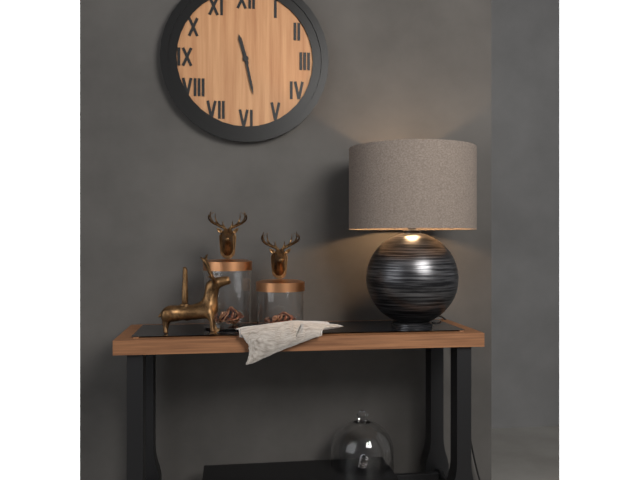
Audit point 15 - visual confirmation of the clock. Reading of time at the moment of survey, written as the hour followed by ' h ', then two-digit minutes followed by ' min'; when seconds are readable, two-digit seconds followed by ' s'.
11 h 28 min
